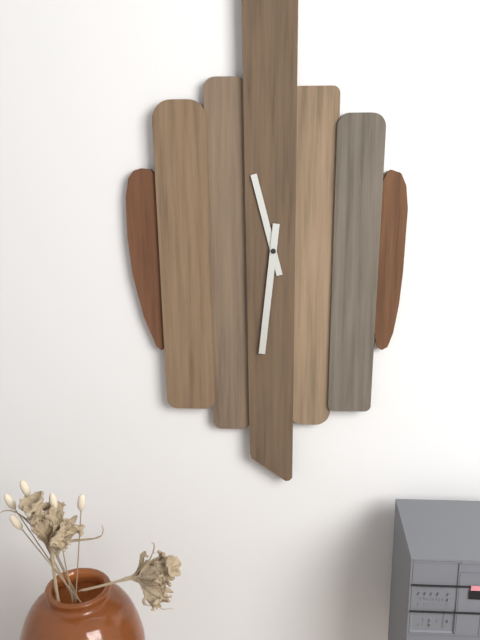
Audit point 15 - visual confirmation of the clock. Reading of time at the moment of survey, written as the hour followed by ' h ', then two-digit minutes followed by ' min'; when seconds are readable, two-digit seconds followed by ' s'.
11 h 31 min
